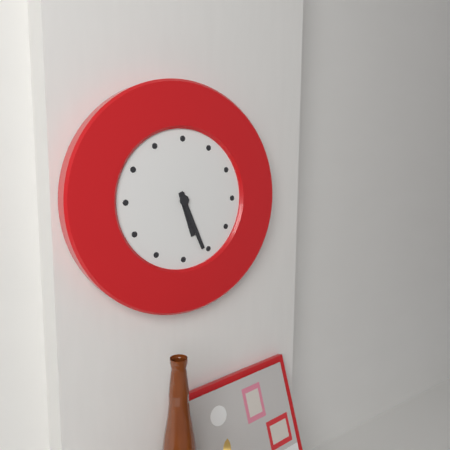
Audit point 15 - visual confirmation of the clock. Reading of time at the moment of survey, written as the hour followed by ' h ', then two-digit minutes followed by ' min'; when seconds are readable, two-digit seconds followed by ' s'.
5 h 26 min
